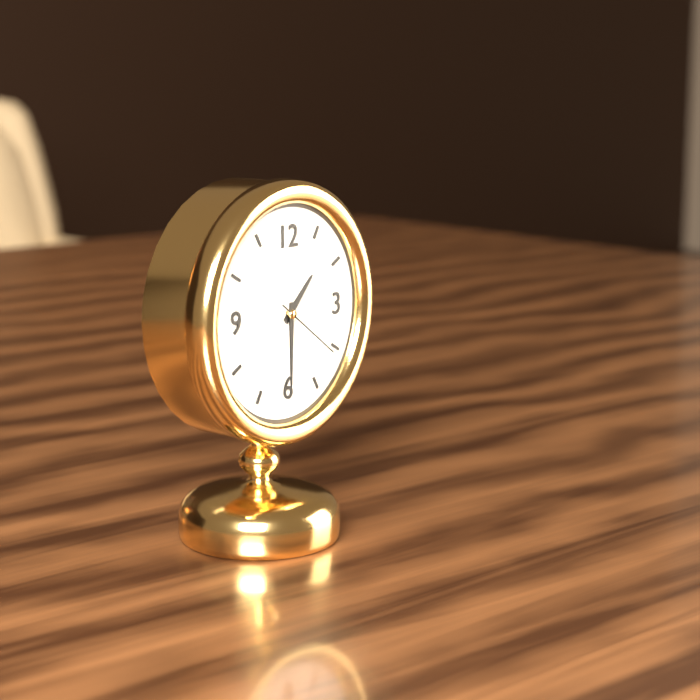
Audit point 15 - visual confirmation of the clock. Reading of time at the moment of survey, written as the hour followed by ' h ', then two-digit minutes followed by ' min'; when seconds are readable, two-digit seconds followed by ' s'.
1 h 30 min 21 s
